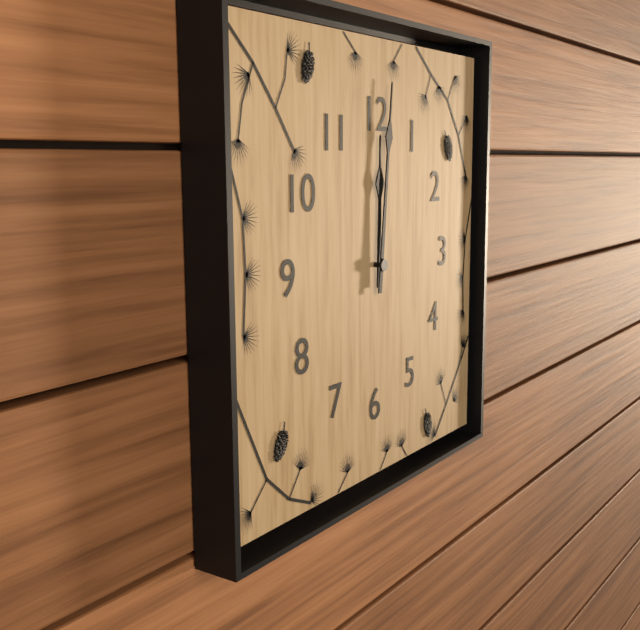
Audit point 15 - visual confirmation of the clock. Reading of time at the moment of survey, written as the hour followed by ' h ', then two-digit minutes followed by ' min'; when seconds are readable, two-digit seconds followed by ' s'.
12 h 01 min
